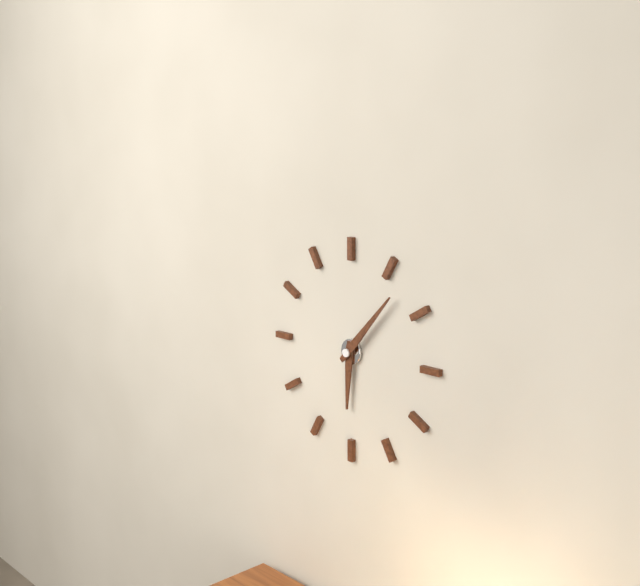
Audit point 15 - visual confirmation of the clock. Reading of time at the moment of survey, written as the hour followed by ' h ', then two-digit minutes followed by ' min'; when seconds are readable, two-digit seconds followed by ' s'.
6 h 07 min
